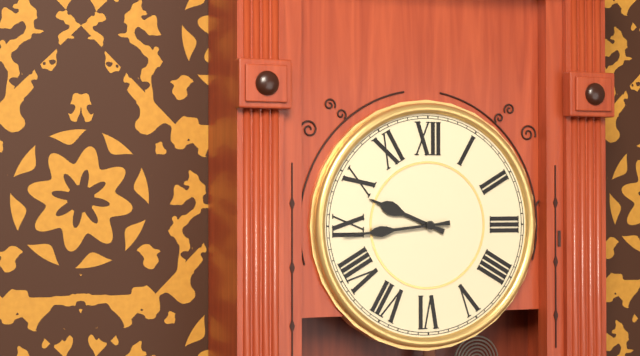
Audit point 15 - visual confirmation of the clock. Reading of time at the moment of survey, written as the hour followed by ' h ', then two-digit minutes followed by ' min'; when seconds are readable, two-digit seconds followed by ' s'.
9 h 44 min
